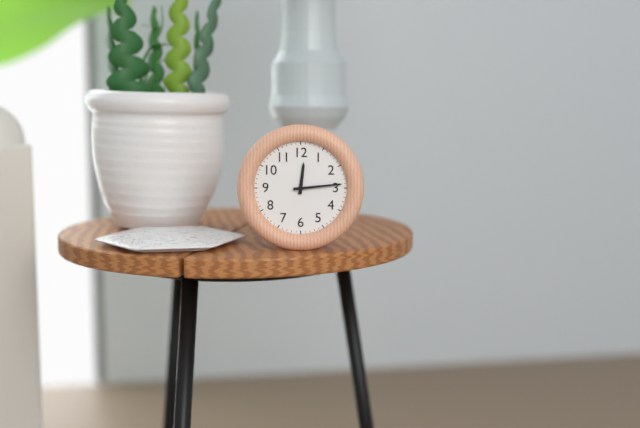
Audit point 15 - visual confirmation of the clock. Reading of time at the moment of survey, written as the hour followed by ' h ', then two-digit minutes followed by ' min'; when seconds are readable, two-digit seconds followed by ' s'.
12 h 14 min
